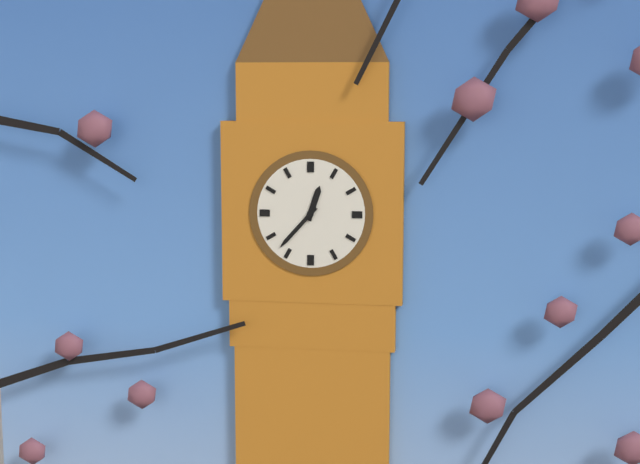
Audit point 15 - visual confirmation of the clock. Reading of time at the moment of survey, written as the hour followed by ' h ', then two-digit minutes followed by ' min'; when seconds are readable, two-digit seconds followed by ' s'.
12 h 37 min
